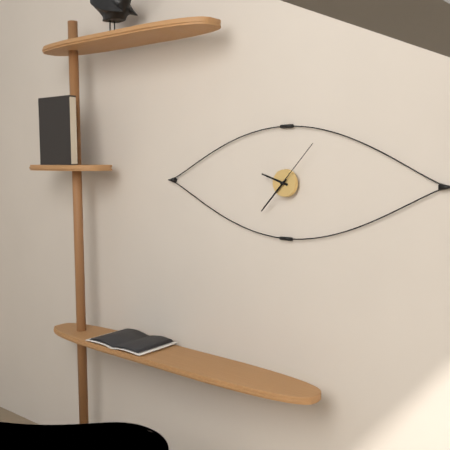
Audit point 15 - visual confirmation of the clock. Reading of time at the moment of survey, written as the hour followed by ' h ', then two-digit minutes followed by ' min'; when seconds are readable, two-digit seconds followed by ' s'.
9 h 37 min 07 s
